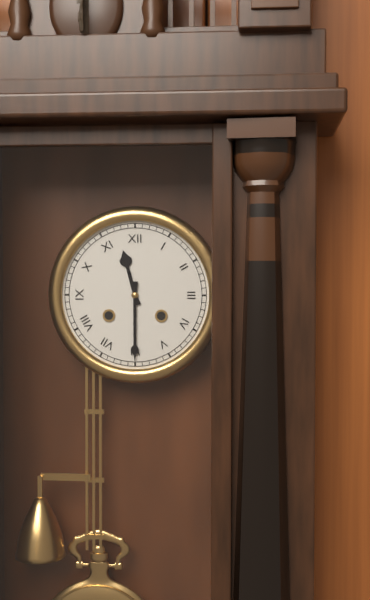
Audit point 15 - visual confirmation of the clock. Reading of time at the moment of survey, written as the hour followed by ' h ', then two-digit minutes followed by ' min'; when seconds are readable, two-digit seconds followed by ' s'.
11 h 30 min
